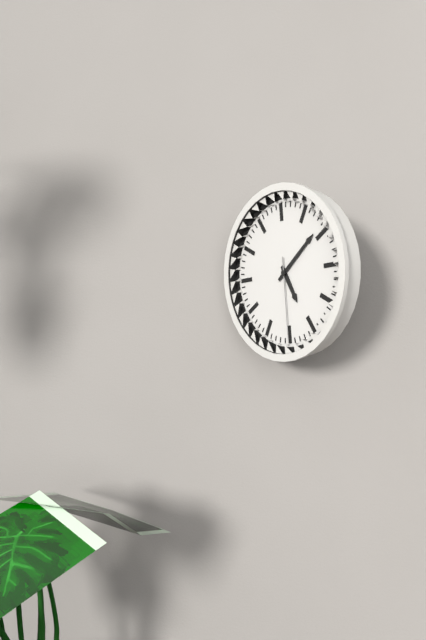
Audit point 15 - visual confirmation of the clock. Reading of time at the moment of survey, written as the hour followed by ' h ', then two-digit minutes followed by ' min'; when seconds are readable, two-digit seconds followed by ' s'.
5 h 09 min 30 s
